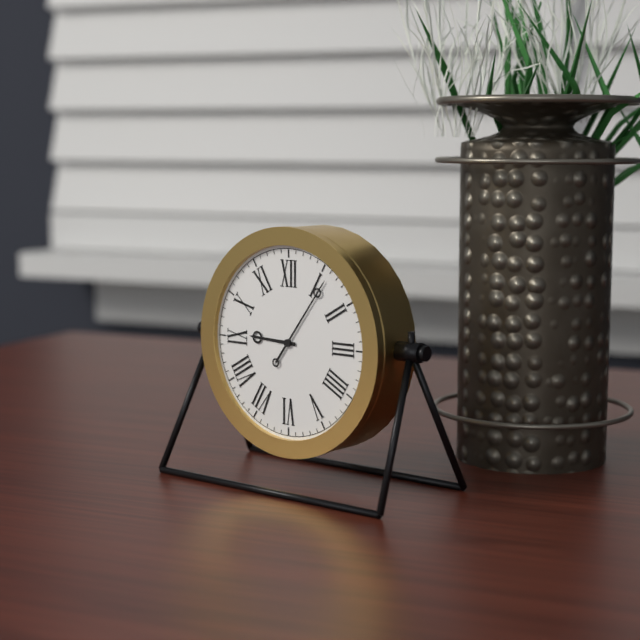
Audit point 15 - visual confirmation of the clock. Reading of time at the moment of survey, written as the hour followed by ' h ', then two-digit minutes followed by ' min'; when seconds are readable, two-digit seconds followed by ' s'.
9 h 06 min
